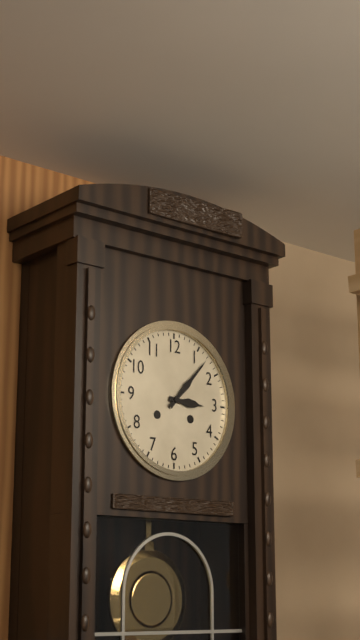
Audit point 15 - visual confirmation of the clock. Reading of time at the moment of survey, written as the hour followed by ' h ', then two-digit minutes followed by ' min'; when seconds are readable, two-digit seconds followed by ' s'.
3 h 07 min
